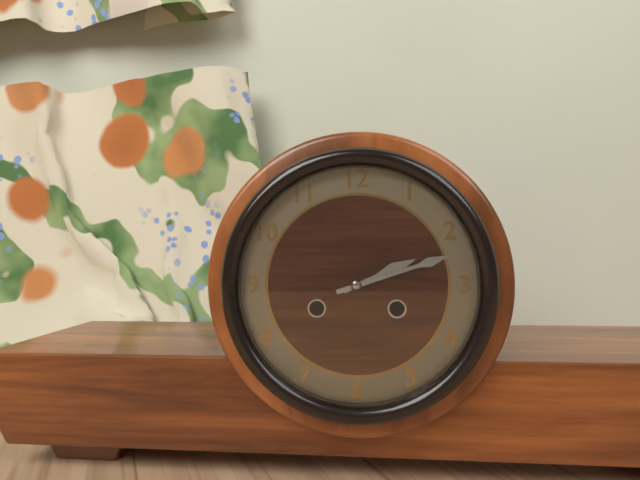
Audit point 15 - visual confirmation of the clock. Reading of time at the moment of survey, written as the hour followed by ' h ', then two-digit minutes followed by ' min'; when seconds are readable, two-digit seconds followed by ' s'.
2 h 12 min
